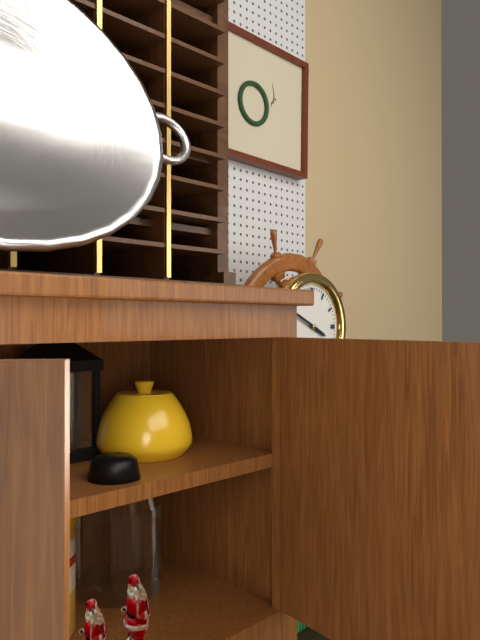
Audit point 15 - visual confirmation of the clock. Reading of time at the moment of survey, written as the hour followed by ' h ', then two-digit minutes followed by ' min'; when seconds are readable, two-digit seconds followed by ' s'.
3 h 49 min
